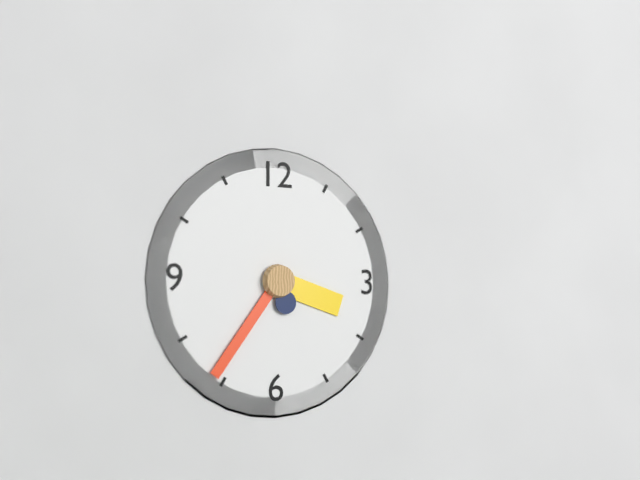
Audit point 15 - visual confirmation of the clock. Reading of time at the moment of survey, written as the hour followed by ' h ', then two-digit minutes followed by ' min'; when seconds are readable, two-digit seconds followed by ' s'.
3 h 36 min
